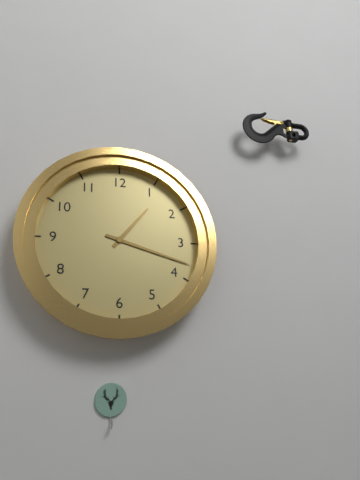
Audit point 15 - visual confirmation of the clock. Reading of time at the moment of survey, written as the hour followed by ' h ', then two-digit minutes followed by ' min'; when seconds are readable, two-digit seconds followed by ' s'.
1 h 18 min
